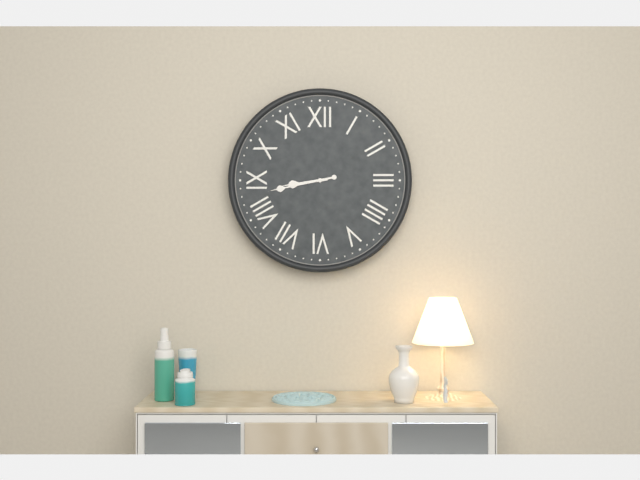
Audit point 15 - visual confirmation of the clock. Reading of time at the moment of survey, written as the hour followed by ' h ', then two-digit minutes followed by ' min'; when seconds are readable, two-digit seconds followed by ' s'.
8 h 43 min
